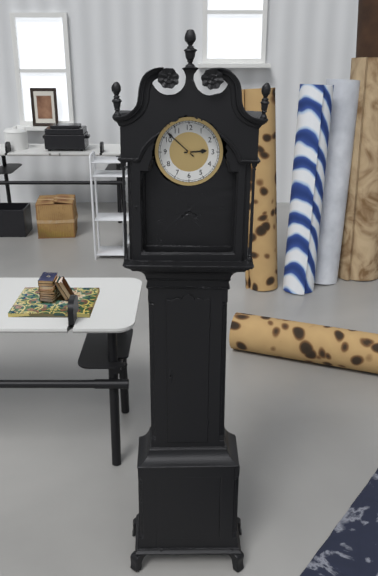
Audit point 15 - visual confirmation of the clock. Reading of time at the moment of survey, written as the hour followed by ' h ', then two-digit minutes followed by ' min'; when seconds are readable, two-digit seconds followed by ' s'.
2 h 52 min
